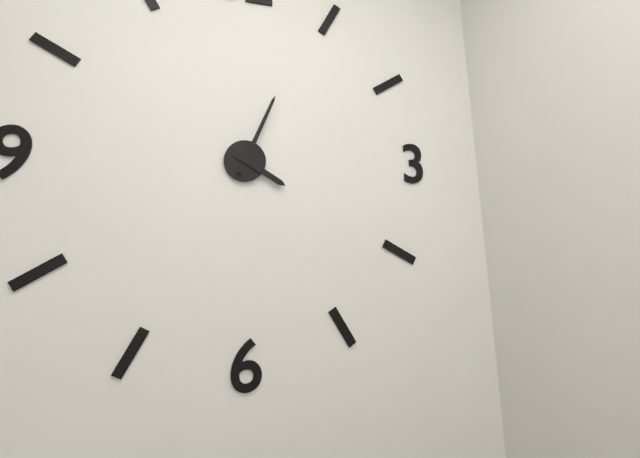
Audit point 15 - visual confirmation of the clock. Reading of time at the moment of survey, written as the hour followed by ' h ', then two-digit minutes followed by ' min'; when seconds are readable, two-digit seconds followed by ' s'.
4 h 04 min
